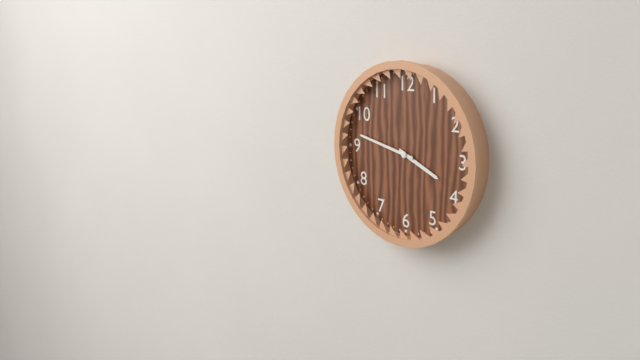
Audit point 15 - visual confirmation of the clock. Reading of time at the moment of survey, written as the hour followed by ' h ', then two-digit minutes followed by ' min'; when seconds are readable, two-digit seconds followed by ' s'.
3 h 47 min
